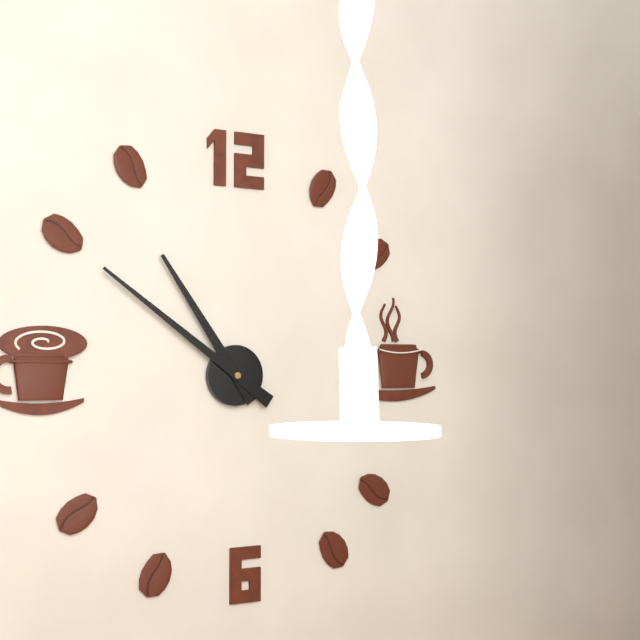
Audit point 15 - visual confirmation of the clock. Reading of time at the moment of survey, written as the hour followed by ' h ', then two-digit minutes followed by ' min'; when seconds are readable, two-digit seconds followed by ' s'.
10 h 51 min
